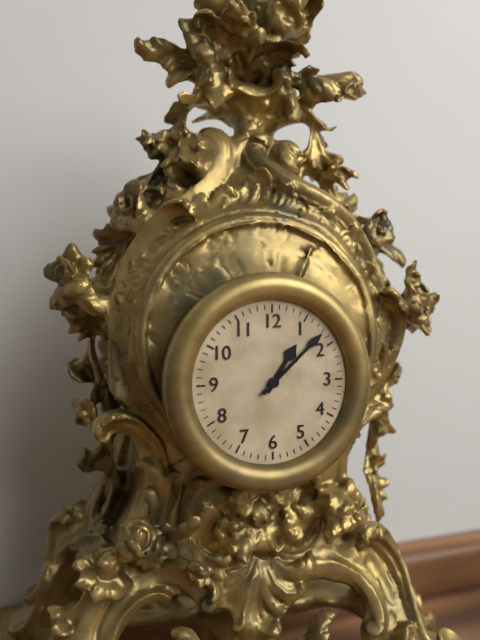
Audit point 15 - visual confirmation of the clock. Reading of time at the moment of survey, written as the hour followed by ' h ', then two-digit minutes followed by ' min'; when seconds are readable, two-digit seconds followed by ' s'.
1 h 08 min
